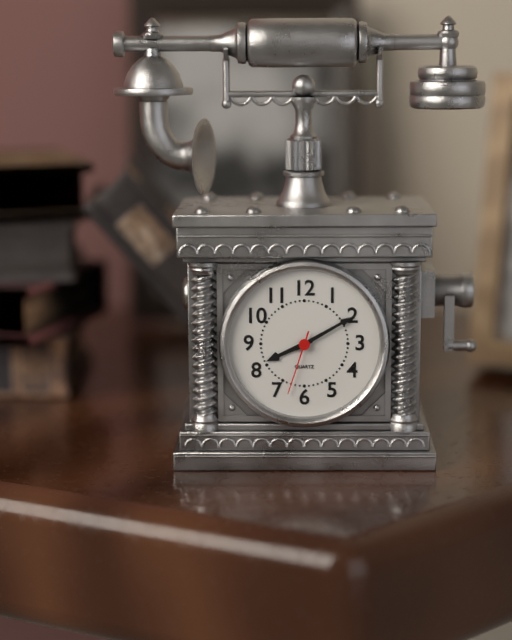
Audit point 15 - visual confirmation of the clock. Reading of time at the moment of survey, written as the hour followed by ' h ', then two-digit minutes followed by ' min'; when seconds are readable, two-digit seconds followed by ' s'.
8 h 10 min 33 s
